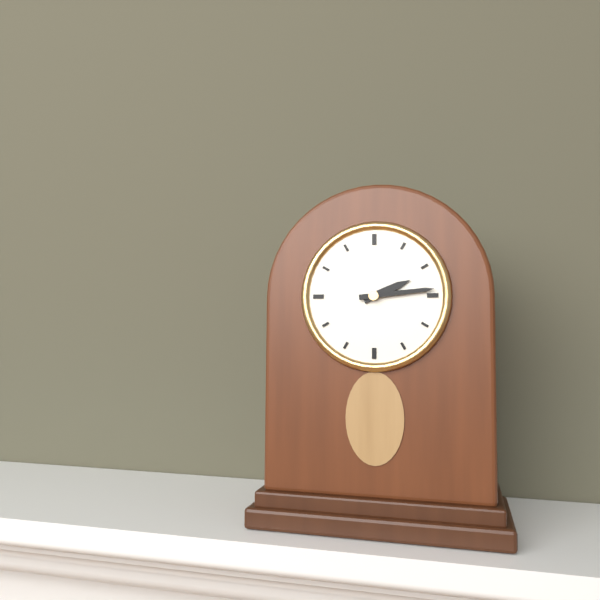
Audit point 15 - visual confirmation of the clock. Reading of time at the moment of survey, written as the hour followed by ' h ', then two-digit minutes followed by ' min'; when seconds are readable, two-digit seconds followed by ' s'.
2 h 14 min
